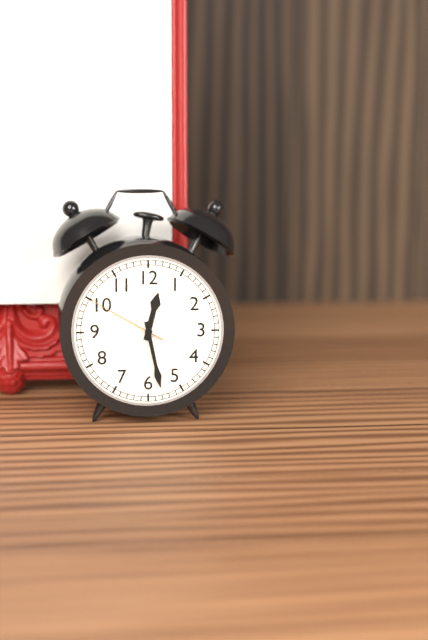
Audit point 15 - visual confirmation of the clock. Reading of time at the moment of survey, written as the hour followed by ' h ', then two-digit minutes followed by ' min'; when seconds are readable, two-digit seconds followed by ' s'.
12 h 28 min 50 s
